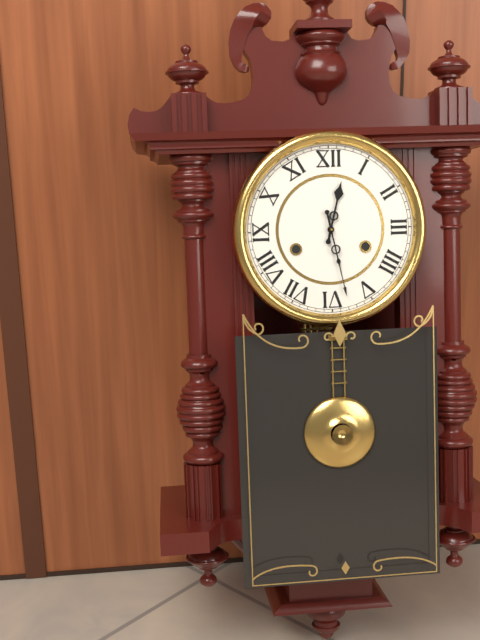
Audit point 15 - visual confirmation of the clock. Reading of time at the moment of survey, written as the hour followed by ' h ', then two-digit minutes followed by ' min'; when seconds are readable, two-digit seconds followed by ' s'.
12 h 28 min
